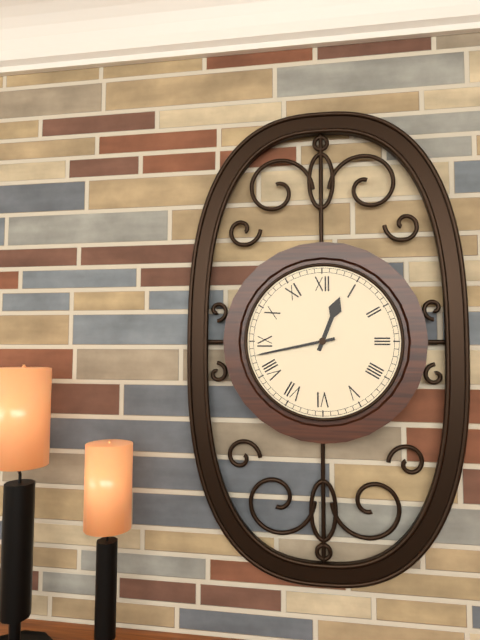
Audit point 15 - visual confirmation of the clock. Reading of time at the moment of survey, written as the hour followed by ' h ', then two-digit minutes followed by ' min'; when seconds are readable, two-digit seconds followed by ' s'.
12 h 43 min
